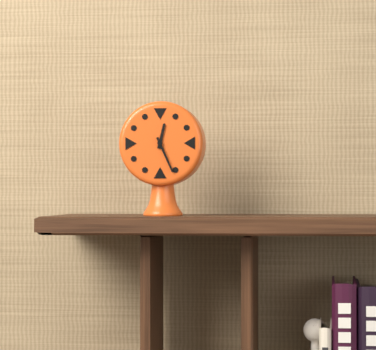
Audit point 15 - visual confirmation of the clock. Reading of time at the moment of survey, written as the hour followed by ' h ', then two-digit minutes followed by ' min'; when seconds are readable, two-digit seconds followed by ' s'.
12 h 26 min
